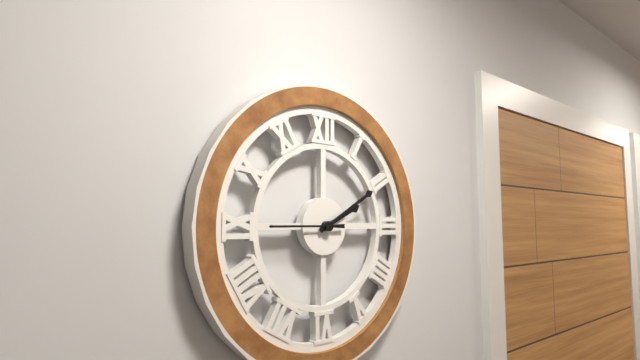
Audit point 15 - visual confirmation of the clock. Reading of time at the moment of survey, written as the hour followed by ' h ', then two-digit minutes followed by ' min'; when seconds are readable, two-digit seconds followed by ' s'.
2 h 10 min 45 s
